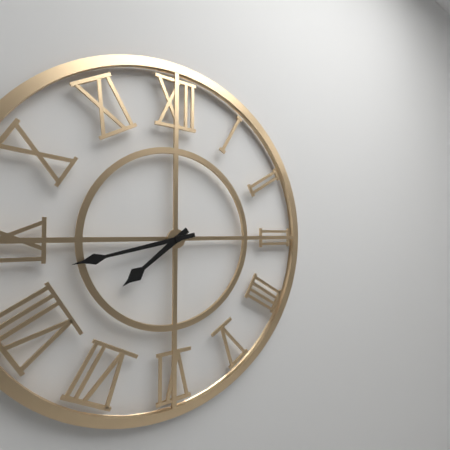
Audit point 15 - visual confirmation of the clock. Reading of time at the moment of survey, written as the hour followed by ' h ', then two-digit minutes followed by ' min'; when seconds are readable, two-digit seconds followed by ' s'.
7 h 43 min
